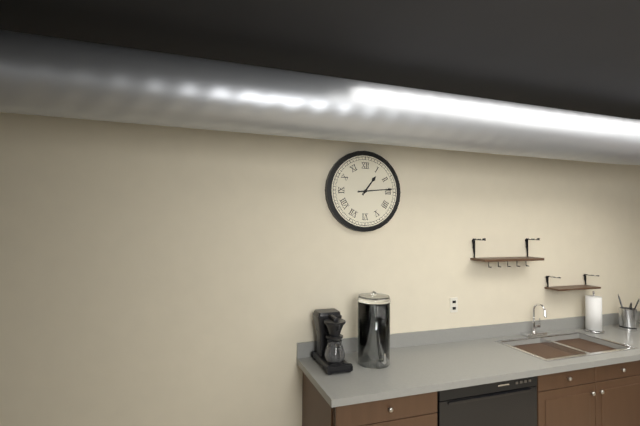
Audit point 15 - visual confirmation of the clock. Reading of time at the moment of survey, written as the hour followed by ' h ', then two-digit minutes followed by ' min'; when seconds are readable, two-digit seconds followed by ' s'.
1 h 14 min
